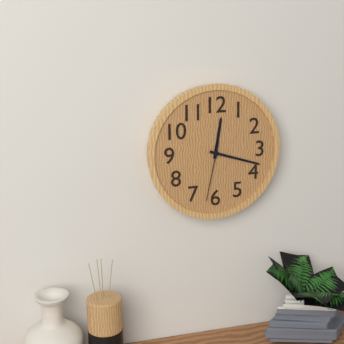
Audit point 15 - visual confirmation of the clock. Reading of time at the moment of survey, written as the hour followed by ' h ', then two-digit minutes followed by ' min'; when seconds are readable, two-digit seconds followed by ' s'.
12 h 18 min 32 s
